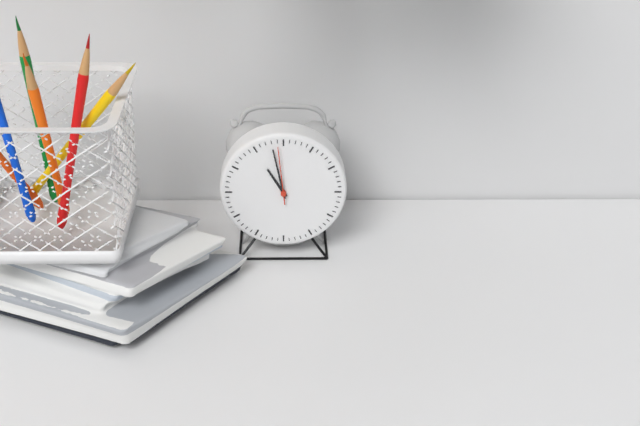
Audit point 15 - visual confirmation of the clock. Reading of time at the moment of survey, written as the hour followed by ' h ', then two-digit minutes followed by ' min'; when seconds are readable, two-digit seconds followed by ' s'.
10 h 58 min 59 s
